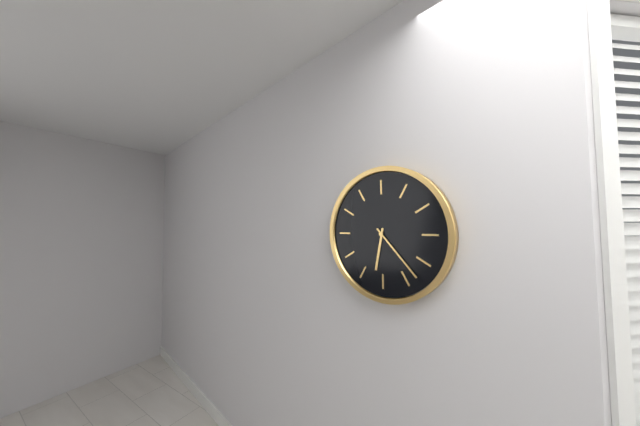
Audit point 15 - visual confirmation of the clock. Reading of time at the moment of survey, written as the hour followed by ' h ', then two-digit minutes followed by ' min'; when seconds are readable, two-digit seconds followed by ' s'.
6 h 23 min
